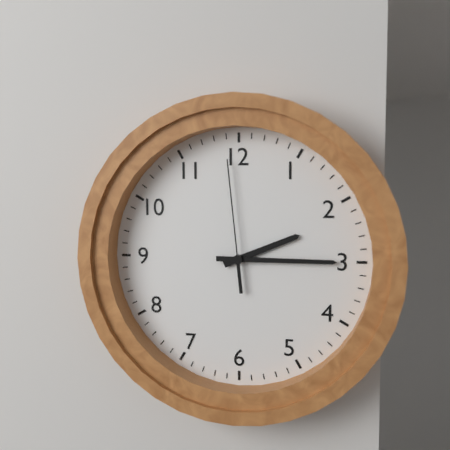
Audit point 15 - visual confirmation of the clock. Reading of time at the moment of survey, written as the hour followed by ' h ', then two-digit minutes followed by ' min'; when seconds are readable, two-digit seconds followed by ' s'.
2 h 15 min 59 s
